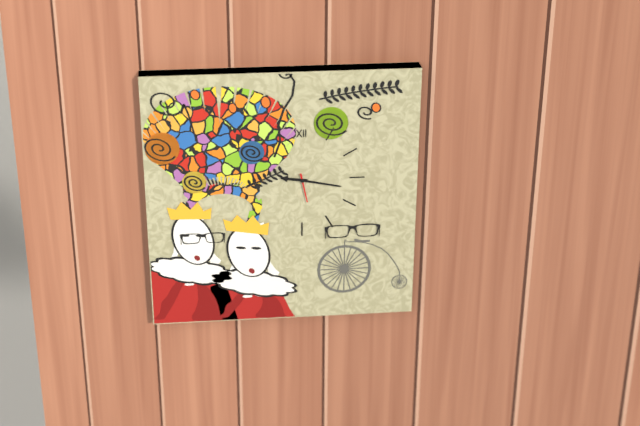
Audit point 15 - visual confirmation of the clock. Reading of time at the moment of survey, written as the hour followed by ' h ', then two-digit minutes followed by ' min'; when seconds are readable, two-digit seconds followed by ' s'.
9 h 17 min
